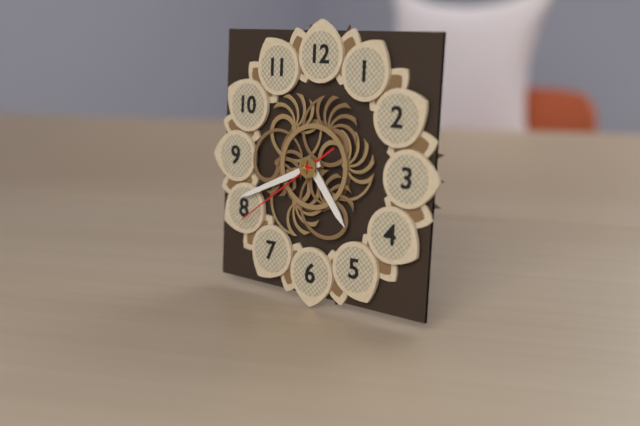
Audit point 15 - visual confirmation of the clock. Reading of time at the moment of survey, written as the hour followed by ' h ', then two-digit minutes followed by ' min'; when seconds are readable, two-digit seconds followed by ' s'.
4 h 41 min 39 s
